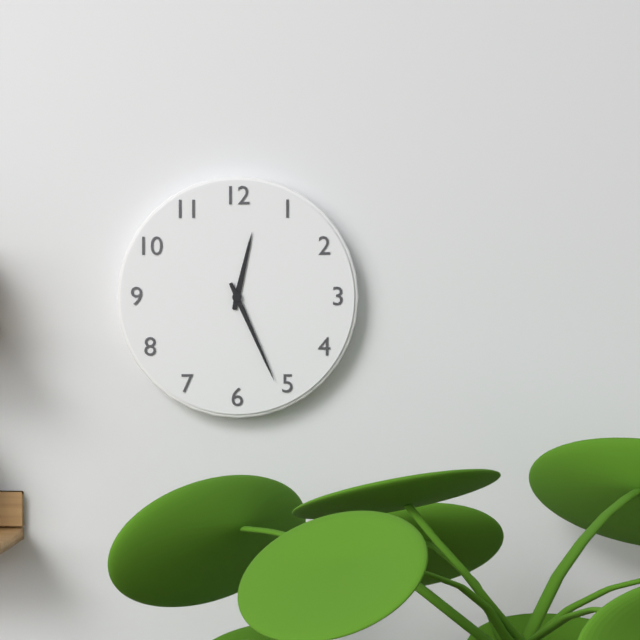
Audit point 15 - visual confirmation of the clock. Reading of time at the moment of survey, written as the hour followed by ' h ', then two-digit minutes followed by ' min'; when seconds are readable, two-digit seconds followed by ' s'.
12 h 26 min
